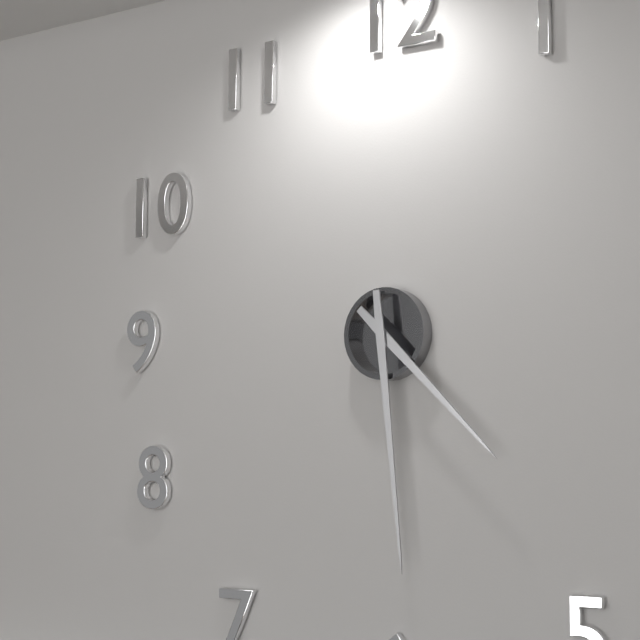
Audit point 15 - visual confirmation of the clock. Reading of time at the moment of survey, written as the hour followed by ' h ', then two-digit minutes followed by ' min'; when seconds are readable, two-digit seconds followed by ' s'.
4 h 29 min
